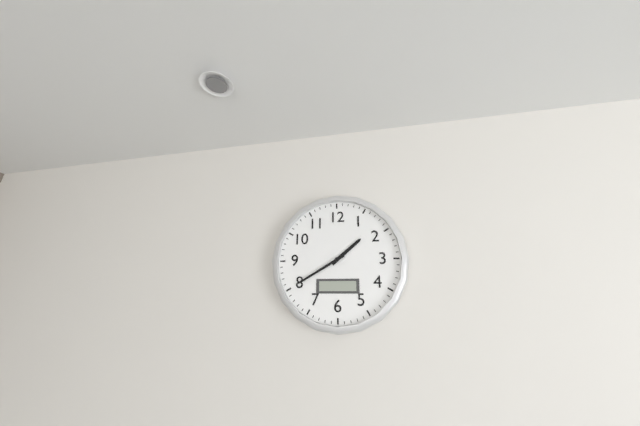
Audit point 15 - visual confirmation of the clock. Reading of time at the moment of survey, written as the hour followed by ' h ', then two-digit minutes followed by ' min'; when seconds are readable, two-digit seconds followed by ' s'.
1 h 40 min
